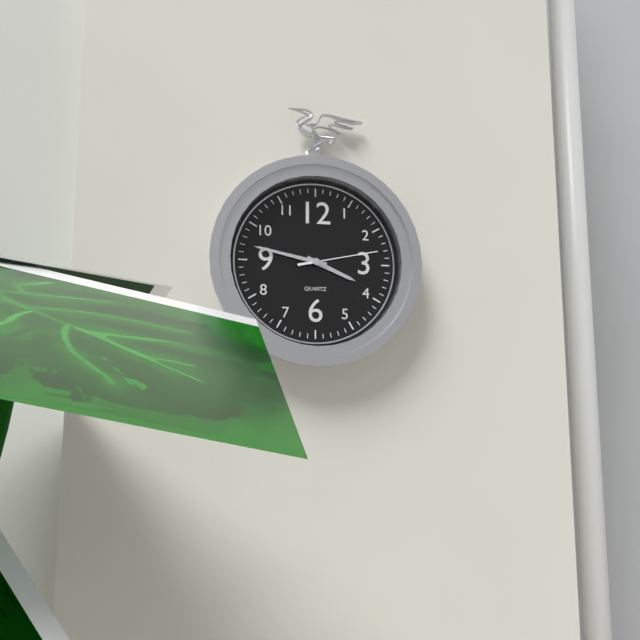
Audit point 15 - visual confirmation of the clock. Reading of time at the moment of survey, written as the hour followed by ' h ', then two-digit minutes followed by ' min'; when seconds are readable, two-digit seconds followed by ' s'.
3 h 47 min 13 s
